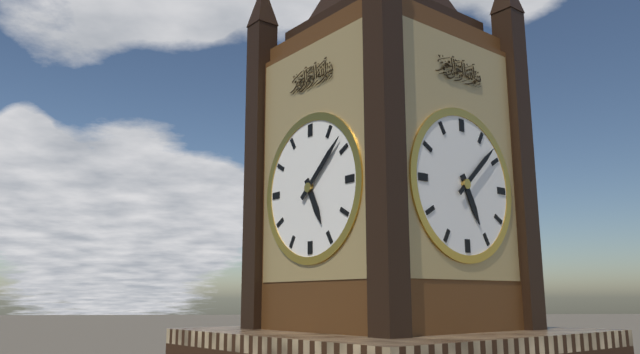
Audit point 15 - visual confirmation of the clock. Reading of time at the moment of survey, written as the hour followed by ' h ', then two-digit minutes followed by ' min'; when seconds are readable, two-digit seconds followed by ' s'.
5 h 08 min
